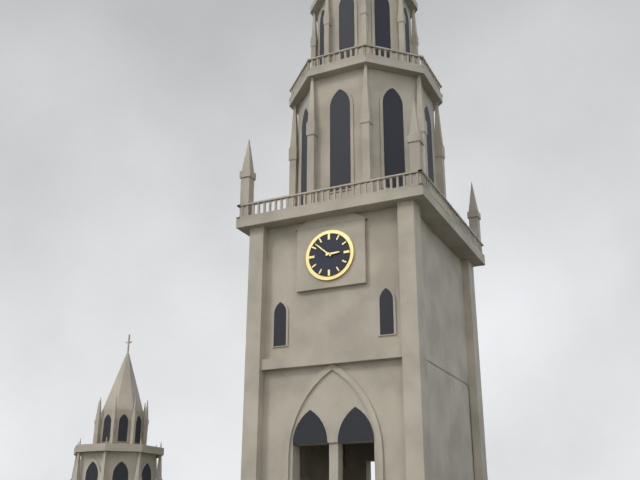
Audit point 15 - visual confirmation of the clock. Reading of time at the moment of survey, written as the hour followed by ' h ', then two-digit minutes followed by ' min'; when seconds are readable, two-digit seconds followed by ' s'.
2 h 52 min
